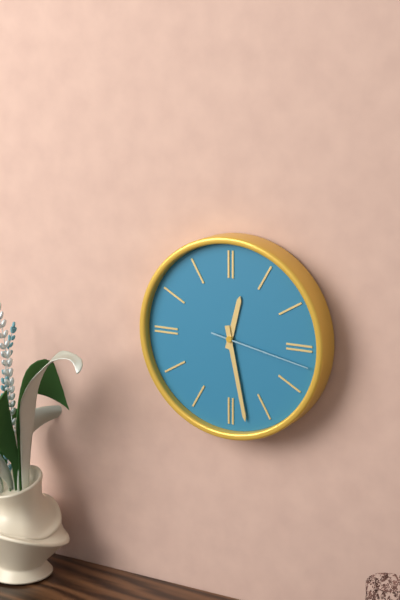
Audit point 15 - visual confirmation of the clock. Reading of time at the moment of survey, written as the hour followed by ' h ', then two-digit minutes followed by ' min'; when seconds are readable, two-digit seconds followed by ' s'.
12 h 28 min 17 s
